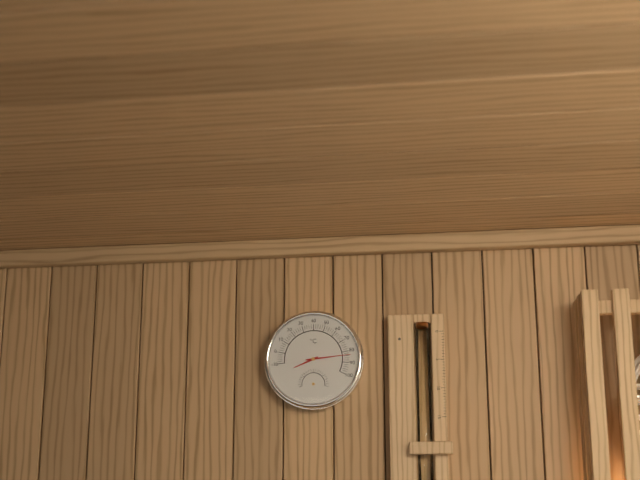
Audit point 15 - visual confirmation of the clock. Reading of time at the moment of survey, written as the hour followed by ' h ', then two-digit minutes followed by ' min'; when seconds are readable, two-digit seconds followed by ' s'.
8 h 14 min
